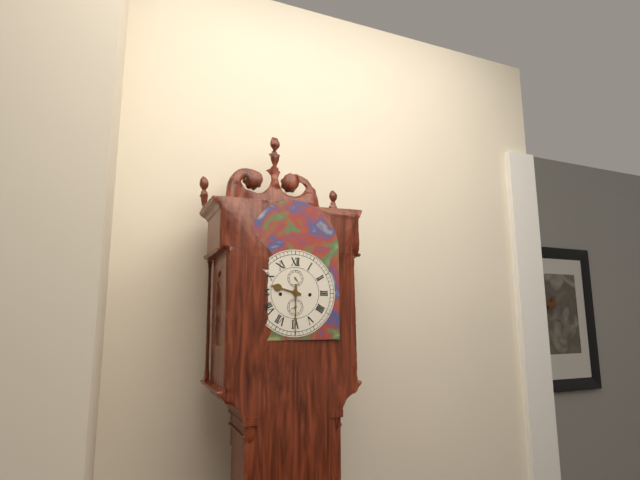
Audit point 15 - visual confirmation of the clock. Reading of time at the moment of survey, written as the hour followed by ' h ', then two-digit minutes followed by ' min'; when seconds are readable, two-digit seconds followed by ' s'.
9 h 30 min
